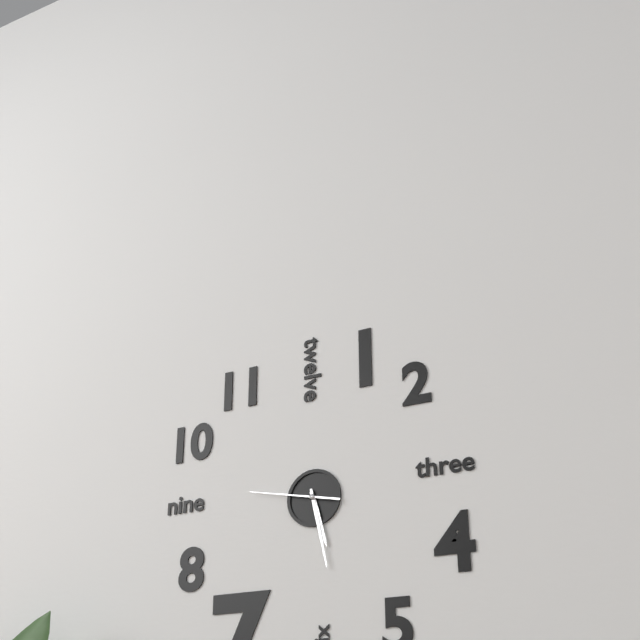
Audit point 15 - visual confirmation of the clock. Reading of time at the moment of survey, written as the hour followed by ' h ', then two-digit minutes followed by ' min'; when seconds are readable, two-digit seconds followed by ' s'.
5 h 28 min 47 s
